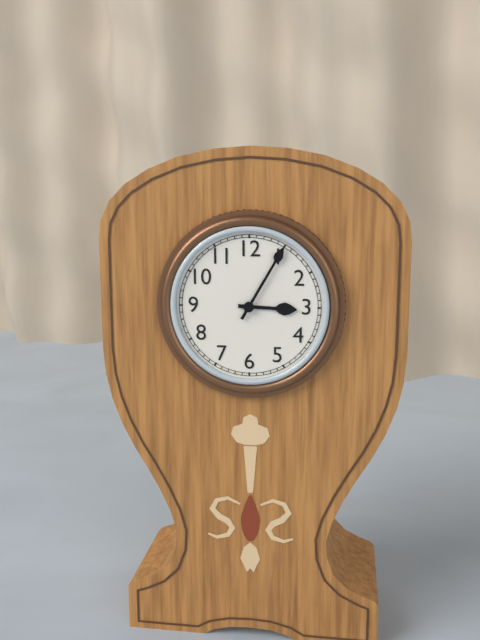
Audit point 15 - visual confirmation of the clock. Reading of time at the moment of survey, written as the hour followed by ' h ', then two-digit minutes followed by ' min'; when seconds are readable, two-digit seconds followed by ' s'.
3 h 05 min
